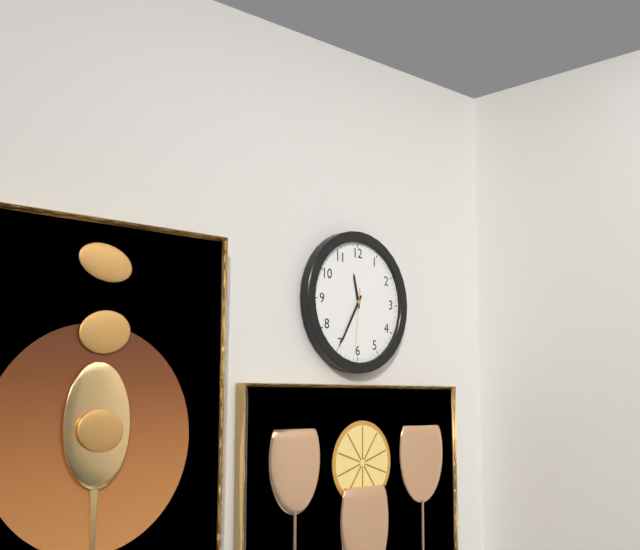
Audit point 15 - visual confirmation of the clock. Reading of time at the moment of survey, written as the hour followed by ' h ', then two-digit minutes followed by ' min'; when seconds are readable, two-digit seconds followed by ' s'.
11 h 35 min 31 s
